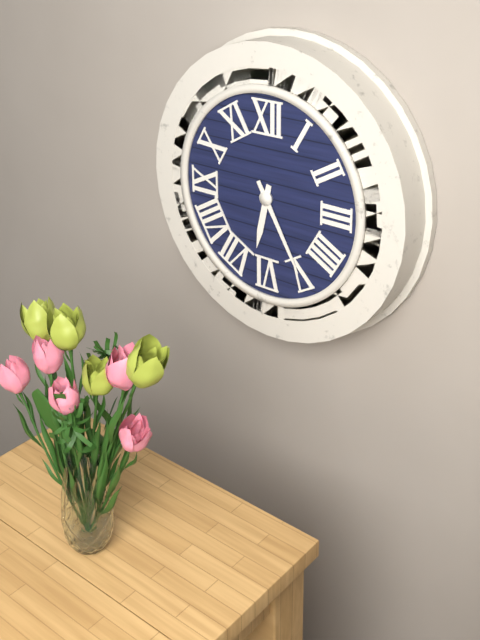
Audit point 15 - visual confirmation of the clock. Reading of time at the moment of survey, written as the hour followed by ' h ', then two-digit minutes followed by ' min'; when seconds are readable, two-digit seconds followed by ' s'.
6 h 25 min
